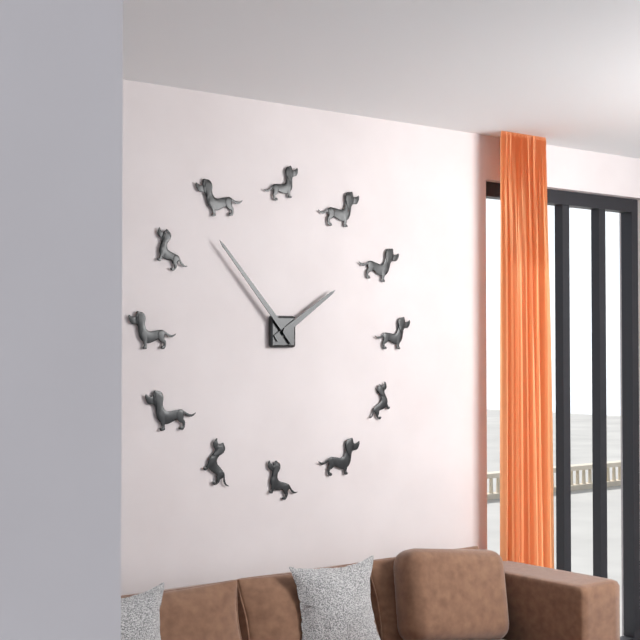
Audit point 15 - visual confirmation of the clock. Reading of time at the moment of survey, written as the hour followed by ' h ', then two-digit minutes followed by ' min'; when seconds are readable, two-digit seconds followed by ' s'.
1 h 53 min
